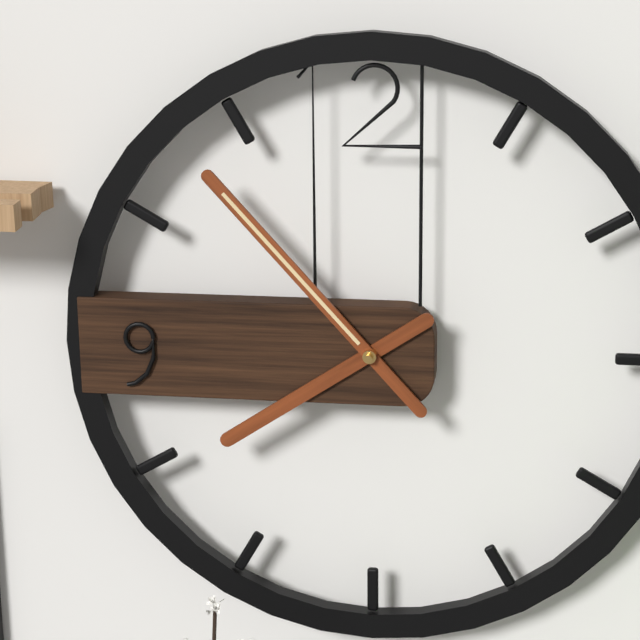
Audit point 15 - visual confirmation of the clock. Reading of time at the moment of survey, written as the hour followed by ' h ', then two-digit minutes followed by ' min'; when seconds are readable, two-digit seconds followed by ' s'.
7 h 53 min
